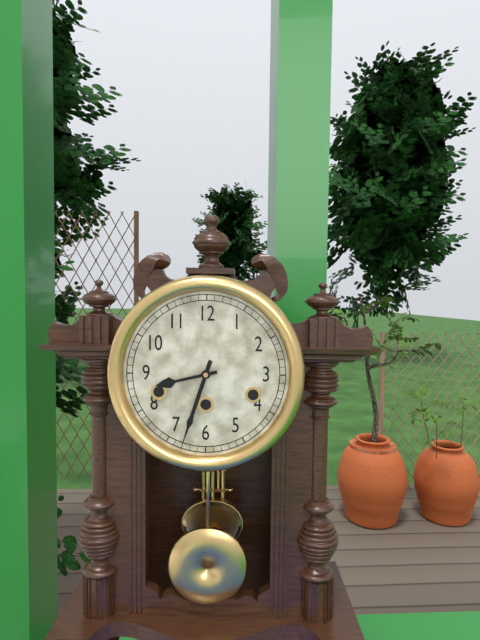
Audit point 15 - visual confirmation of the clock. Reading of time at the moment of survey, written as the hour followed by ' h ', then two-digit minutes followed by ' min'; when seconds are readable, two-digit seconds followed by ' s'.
8 h 33 min
